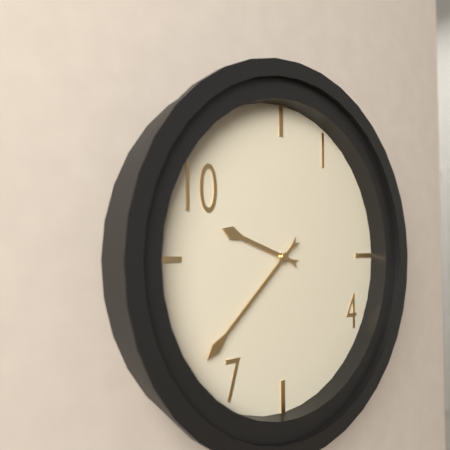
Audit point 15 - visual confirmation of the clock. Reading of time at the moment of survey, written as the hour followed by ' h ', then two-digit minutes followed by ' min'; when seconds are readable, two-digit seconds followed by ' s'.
9 h 38 min
